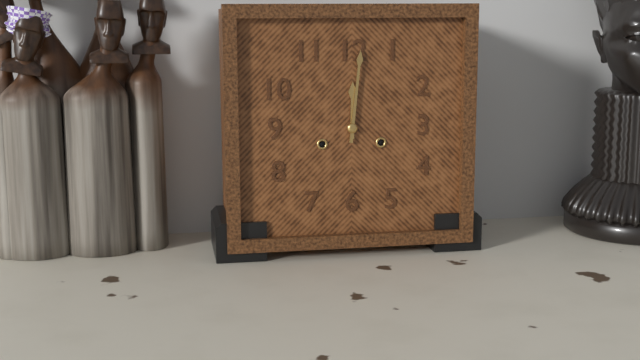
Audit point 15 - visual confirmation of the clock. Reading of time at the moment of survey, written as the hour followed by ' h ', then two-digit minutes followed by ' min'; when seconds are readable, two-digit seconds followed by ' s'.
12 h 01 min
